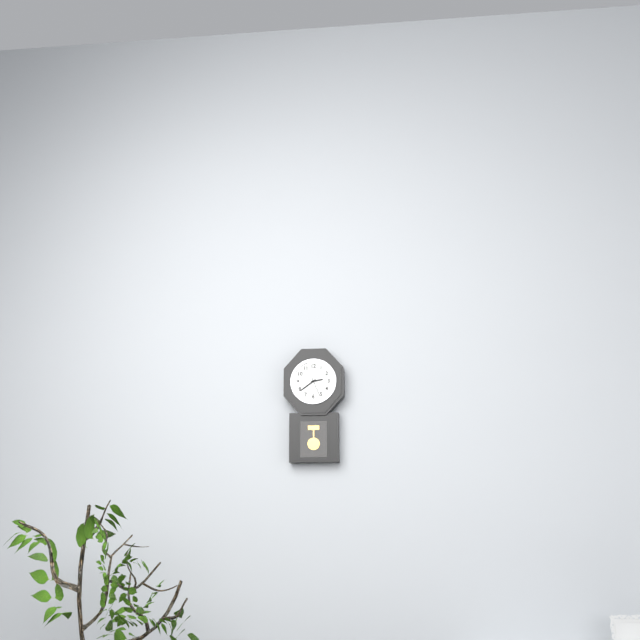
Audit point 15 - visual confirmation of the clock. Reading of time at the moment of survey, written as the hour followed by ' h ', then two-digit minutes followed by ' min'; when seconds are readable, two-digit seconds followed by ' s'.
2 h 39 min
